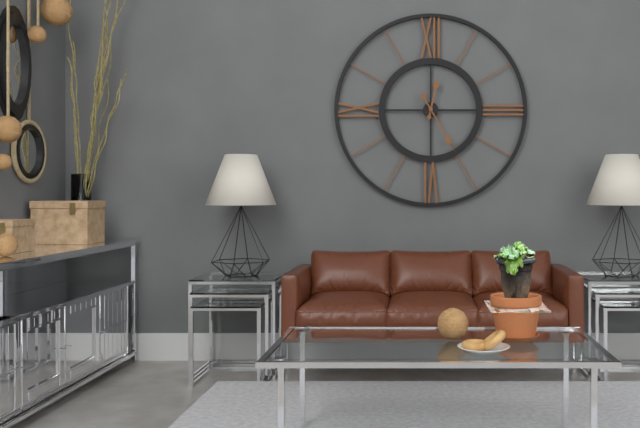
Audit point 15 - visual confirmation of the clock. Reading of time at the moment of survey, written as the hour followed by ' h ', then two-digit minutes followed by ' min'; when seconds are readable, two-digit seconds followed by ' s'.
12 h 25 min
